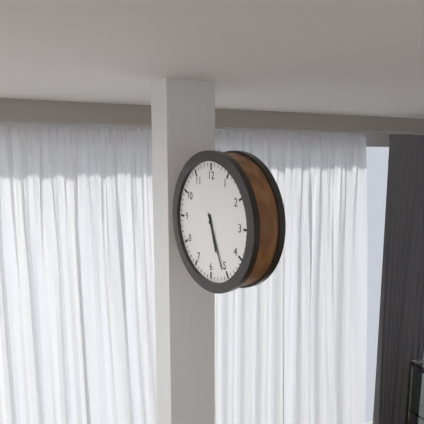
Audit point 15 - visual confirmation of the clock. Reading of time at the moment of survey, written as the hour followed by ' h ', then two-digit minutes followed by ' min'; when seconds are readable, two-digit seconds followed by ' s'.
5 h 26 min
